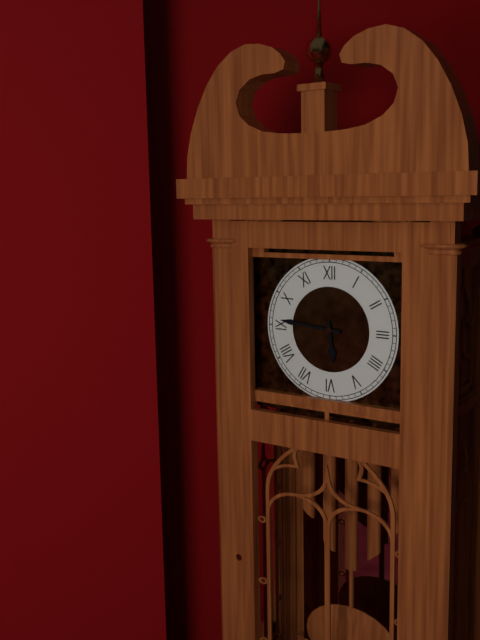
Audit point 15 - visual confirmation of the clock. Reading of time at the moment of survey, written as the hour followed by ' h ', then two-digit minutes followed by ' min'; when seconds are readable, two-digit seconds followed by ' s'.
5 h 46 min
